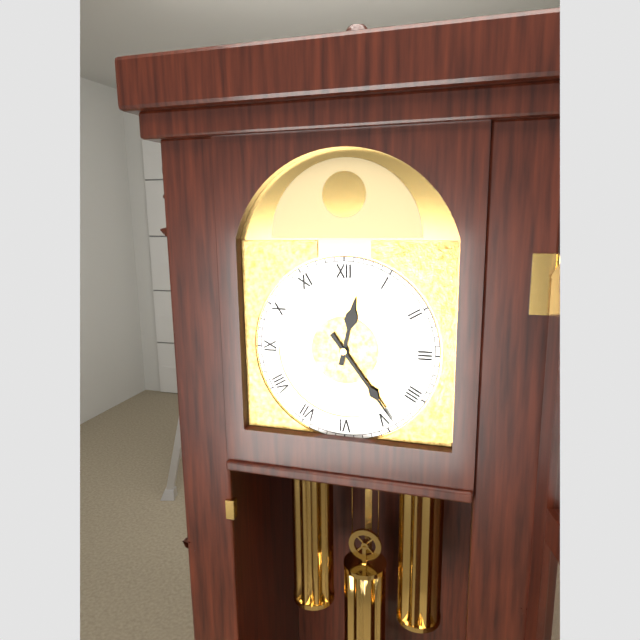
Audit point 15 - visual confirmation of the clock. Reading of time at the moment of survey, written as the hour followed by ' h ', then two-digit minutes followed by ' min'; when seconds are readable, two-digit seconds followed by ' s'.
12 h 24 min
